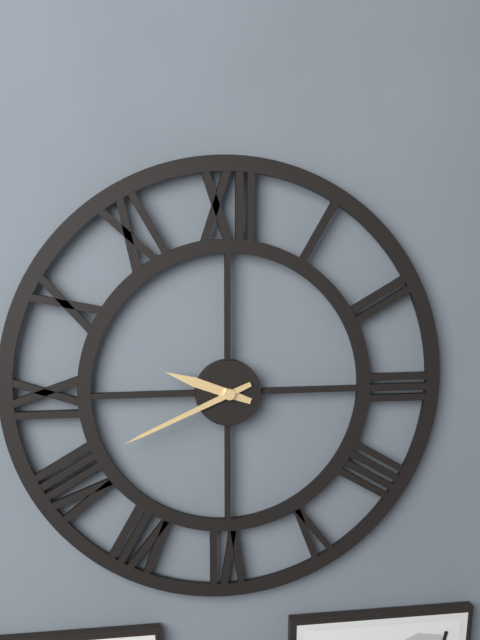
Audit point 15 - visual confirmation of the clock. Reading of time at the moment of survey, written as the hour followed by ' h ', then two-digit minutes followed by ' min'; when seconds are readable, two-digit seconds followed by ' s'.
9 h 41 min
